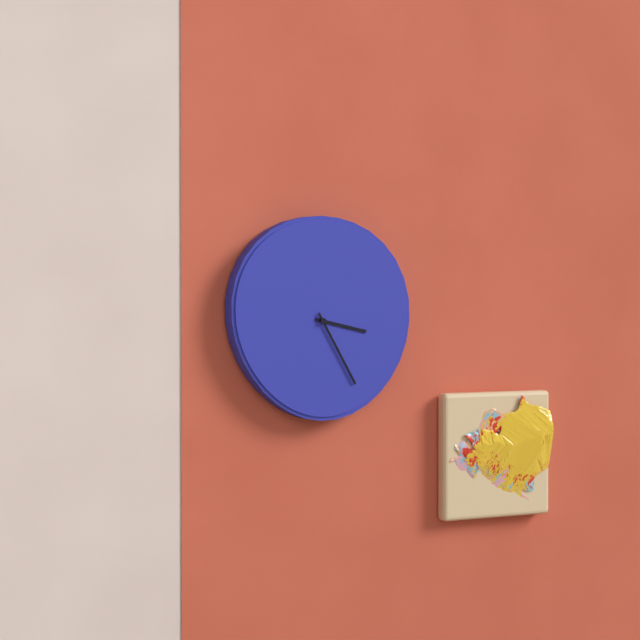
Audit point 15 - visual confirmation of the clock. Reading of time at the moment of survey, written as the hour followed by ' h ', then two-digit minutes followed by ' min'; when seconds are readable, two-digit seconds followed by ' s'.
3 h 25 min
